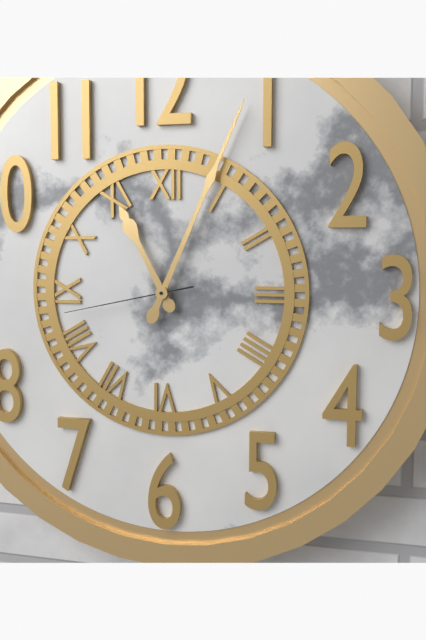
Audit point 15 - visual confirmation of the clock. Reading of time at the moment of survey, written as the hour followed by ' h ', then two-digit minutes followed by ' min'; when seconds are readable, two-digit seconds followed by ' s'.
11 h 04 min 43 s
